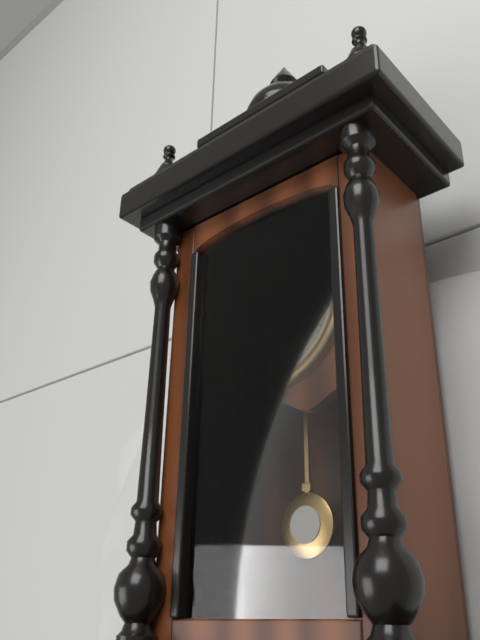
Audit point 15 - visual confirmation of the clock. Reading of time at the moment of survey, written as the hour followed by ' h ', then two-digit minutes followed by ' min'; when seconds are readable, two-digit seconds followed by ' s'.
8 h 45 min
